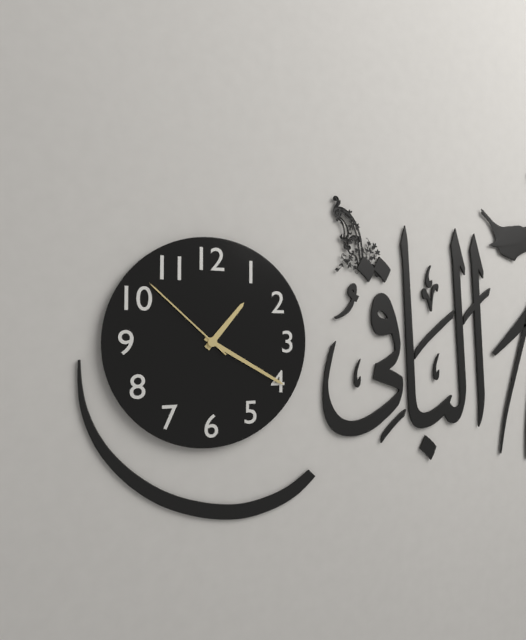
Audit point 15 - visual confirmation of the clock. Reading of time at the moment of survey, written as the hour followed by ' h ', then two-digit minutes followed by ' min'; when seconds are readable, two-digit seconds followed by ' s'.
1 h 20 min 52 s
